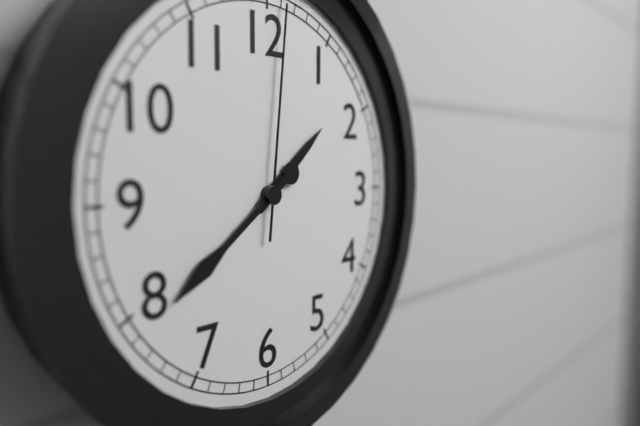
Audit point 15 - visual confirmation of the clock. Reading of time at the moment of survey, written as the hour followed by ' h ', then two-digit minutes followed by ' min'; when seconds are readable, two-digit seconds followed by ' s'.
1 h 39 min 01 s
